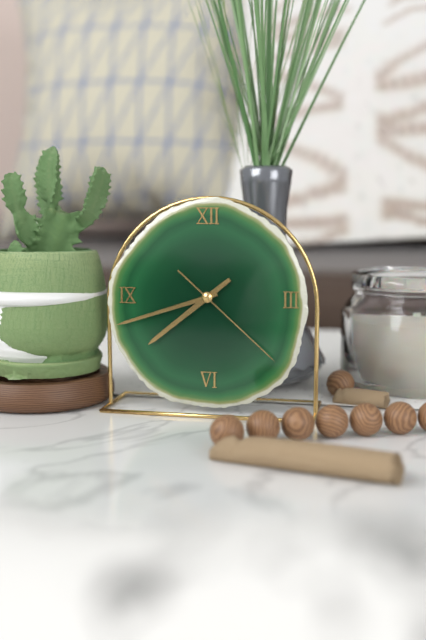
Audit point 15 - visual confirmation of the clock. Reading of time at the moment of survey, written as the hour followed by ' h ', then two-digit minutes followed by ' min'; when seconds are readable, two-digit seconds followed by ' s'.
7 h 42 min 22 s
